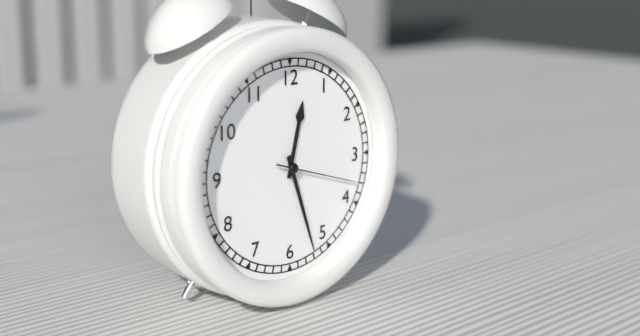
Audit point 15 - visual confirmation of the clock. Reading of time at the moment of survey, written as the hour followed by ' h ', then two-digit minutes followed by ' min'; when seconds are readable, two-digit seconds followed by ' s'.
12 h 27 min 18 s
